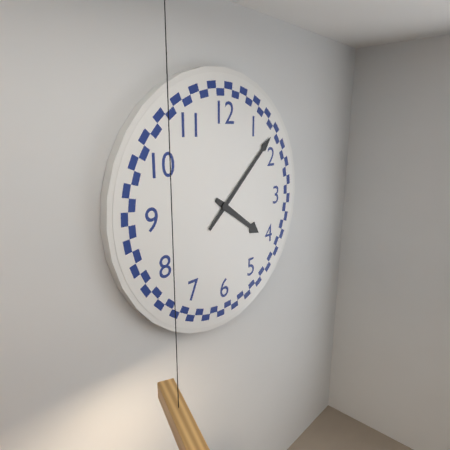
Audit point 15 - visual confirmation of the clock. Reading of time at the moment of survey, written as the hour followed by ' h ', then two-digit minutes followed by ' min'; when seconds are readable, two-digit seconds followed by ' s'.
4 h 08 min
